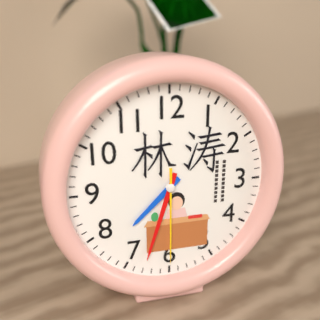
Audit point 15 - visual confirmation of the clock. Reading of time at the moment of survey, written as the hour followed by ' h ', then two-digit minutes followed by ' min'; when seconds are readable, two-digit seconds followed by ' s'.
7 h 33 min 30 s
